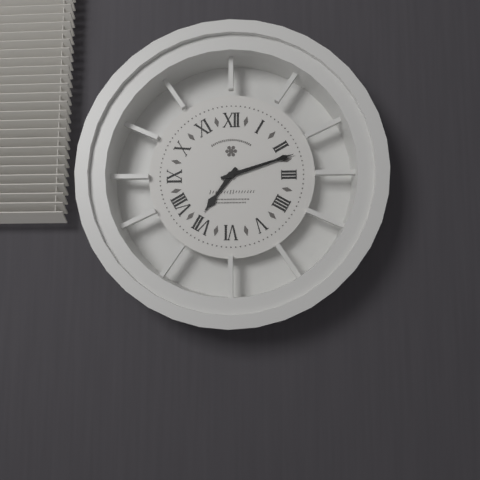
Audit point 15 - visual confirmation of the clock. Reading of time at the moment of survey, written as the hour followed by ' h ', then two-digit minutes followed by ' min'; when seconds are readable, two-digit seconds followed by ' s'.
7 h 12 min
